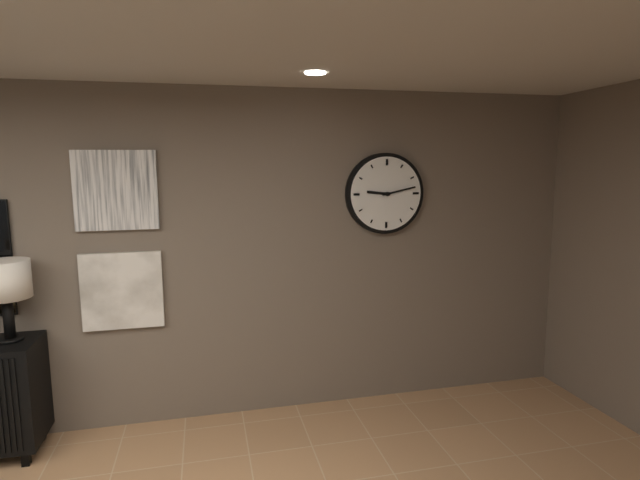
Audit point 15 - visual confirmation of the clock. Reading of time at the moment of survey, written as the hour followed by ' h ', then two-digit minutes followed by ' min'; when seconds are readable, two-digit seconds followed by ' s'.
9 h 13 min
